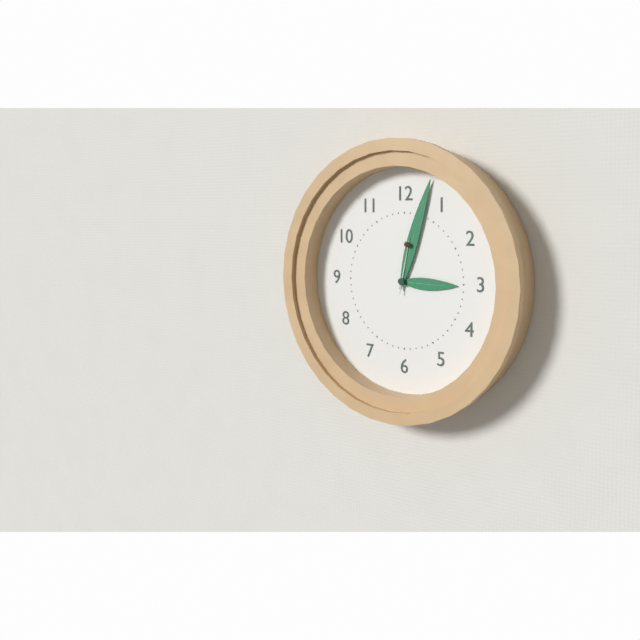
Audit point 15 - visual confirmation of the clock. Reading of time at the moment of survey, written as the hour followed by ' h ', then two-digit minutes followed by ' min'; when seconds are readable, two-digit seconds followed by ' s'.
3 h 03 min 02 s
